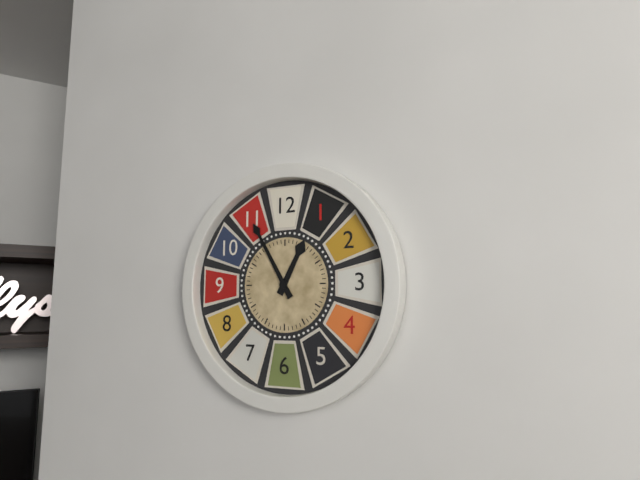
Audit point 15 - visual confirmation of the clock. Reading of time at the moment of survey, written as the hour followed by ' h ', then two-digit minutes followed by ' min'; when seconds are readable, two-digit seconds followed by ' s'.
12 h 55 min
